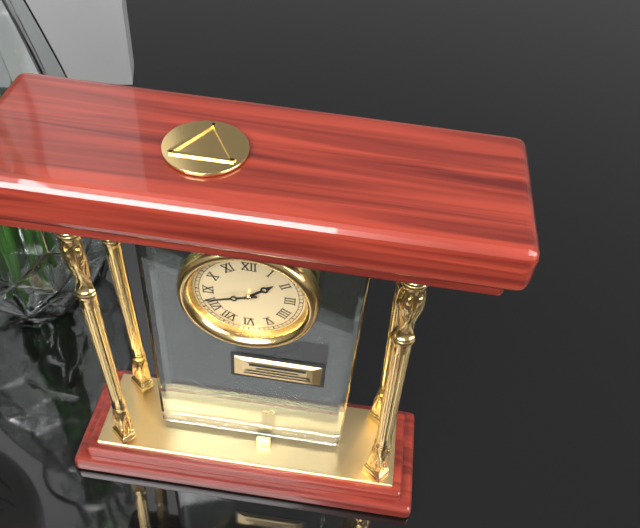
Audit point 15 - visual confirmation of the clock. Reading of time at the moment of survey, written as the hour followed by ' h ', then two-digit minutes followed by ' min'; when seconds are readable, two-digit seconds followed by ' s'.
1 h 42 min
